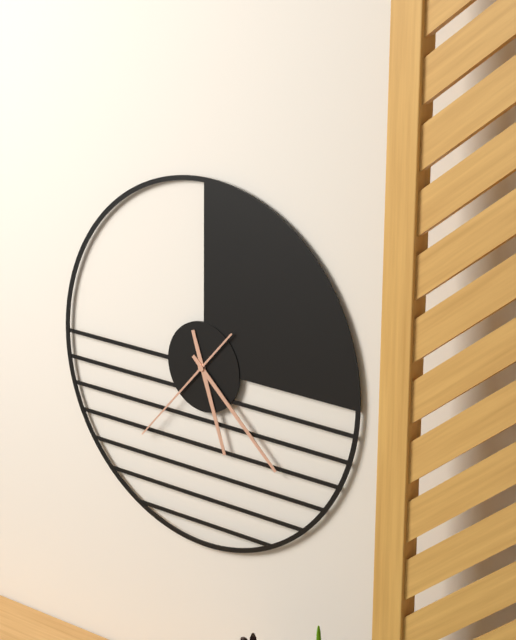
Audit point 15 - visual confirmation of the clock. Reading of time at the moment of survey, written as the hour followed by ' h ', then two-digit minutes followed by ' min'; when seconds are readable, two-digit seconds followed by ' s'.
5 h 22 min 37 s
